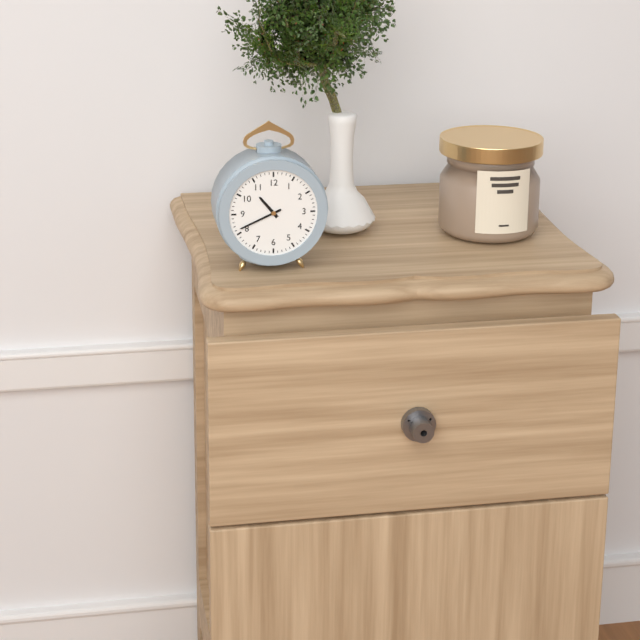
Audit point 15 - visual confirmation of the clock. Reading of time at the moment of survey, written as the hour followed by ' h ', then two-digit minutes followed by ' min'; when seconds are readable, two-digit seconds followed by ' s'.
10 h 41 min
